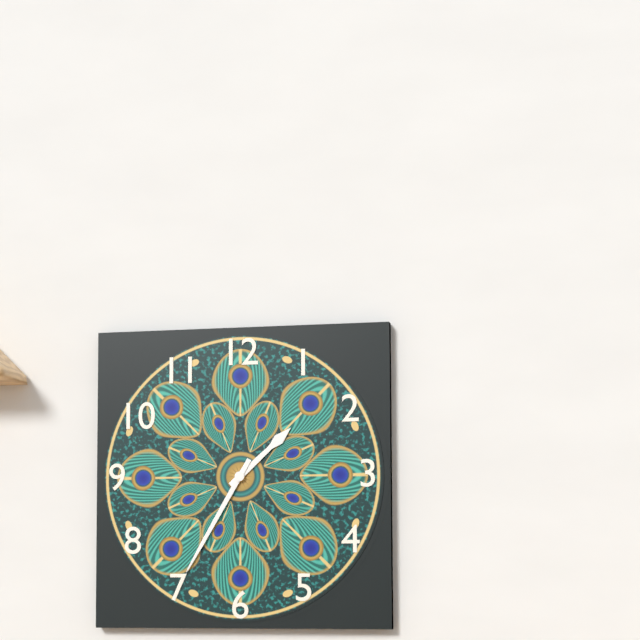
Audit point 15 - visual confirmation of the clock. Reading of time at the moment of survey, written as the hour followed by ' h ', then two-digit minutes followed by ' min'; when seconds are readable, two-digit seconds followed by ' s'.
1 h 35 min
